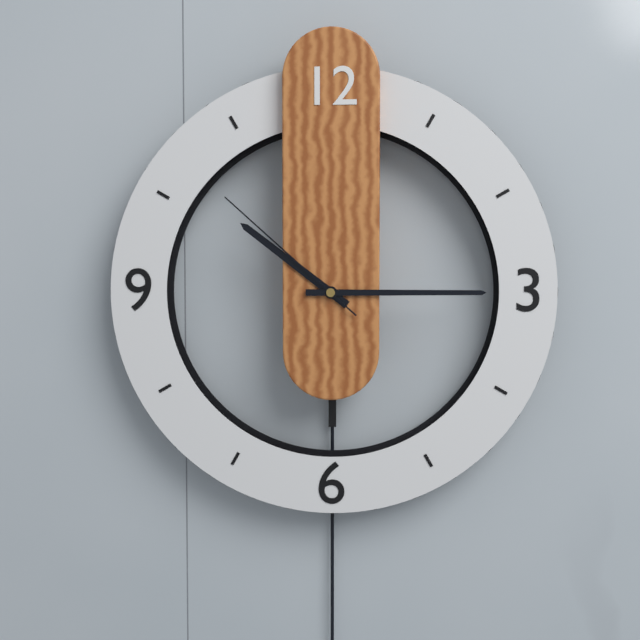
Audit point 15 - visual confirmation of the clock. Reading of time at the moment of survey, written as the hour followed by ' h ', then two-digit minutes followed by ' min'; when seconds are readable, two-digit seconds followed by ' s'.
10 h 15 min 52 s
